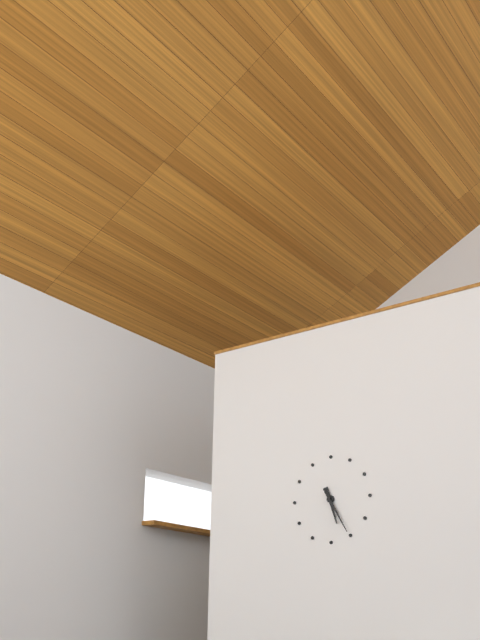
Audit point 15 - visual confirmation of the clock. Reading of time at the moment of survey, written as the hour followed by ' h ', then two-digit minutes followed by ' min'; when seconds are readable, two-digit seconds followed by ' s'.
5 h 25 min
